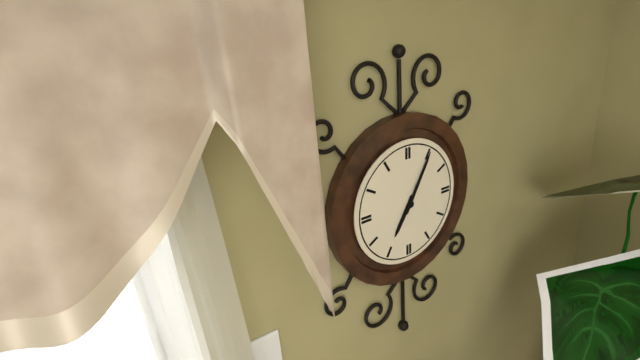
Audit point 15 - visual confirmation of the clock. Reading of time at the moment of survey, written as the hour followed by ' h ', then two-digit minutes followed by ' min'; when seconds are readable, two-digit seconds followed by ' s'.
7 h 05 min
